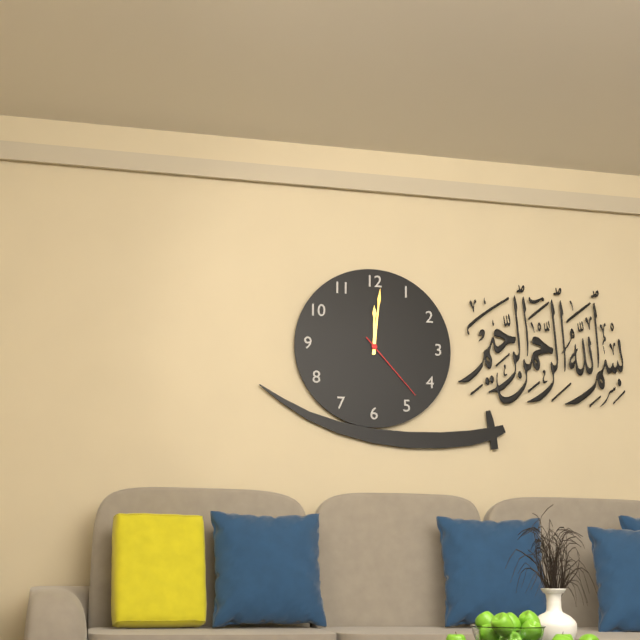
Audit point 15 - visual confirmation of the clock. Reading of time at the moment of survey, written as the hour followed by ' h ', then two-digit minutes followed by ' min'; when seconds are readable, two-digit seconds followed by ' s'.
12 h 01 min 23 s
